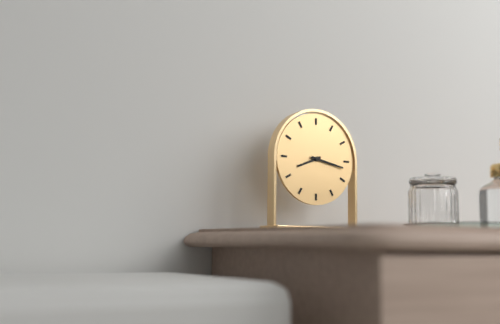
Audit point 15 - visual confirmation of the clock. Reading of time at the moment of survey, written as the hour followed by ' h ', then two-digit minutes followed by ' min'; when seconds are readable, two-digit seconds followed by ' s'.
8 h 17 min
